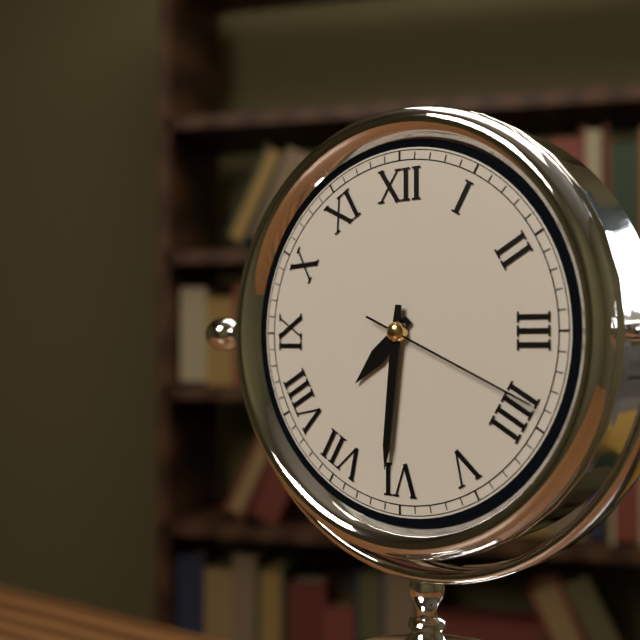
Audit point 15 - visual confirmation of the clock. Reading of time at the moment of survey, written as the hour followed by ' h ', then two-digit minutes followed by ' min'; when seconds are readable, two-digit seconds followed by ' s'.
7 h 31 min 19 s
